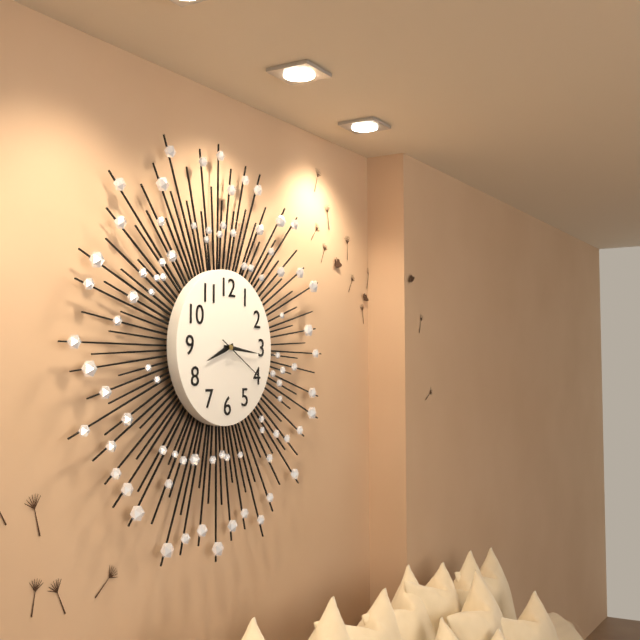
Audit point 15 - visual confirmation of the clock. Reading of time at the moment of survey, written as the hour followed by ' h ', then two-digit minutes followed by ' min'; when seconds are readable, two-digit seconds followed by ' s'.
8 h 16 min 20 s
